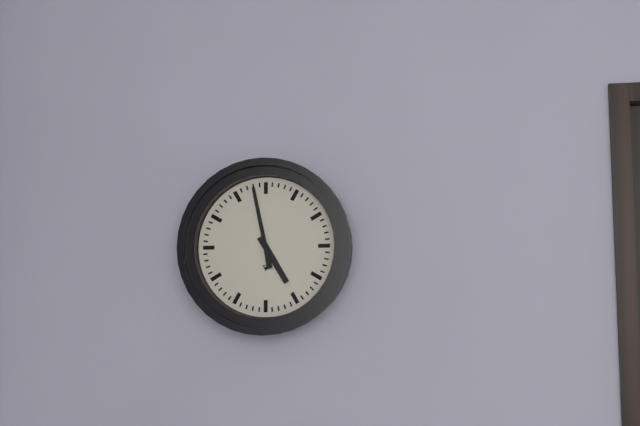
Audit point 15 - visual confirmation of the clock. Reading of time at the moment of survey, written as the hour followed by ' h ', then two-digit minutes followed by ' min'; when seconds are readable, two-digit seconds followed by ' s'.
4 h 58 min
